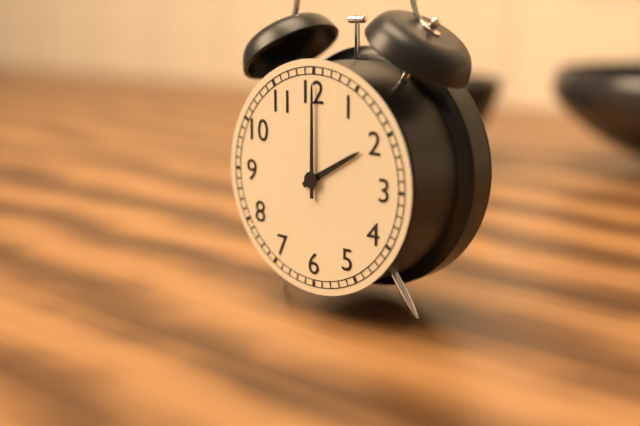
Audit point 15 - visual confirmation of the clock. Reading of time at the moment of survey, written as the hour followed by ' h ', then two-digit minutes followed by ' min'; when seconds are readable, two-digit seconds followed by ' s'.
2 h 00 min
